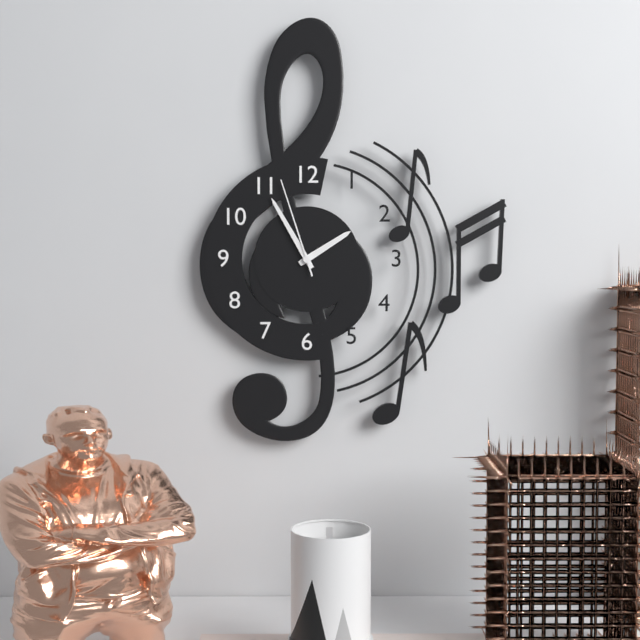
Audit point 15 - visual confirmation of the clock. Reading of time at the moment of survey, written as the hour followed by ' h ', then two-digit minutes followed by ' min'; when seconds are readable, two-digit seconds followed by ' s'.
1 h 55 min 57 s
